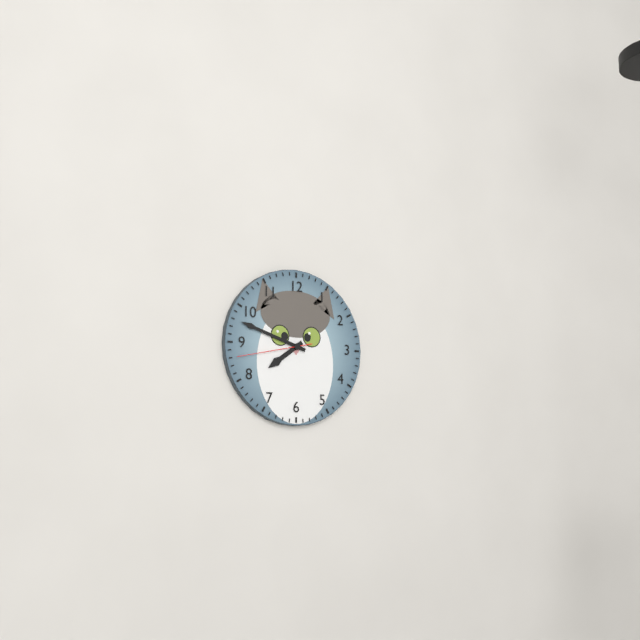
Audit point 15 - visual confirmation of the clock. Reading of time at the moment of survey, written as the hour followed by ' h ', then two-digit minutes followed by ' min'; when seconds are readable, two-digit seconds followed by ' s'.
7 h 48 min 43 s
